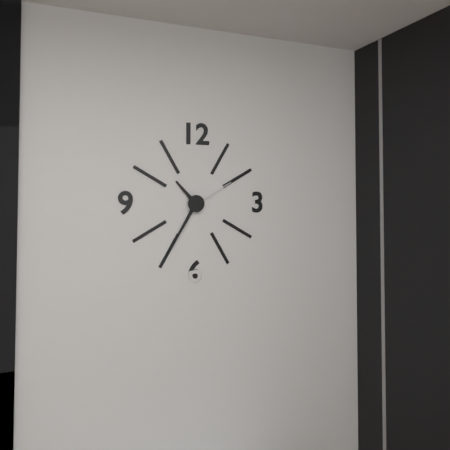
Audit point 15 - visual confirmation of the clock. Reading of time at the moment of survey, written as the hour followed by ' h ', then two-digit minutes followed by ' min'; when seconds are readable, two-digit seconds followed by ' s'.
10 h 35 min 10 s
